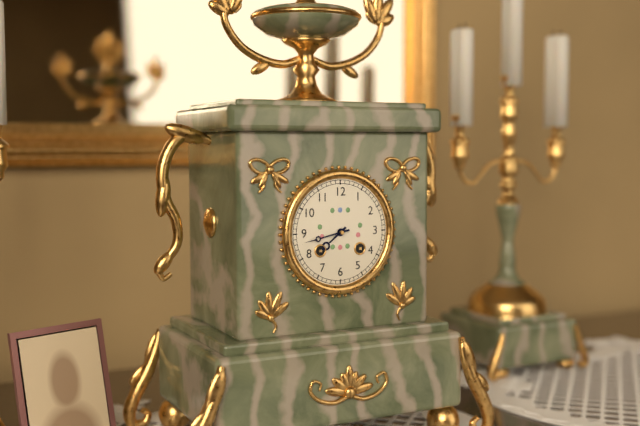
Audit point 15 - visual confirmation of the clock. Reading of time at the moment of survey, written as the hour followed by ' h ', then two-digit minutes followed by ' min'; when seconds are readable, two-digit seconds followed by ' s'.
7 h 43 min
